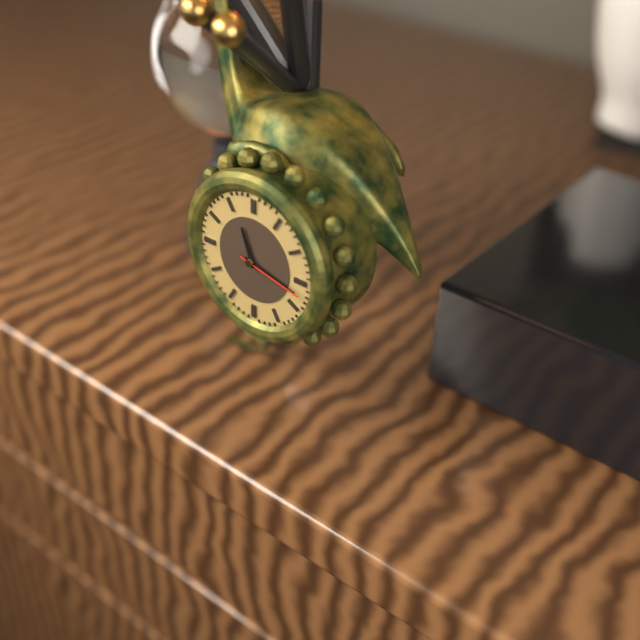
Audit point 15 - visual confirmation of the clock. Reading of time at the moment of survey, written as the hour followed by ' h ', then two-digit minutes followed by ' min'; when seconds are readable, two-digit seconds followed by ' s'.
11 h 17 min 17 s
